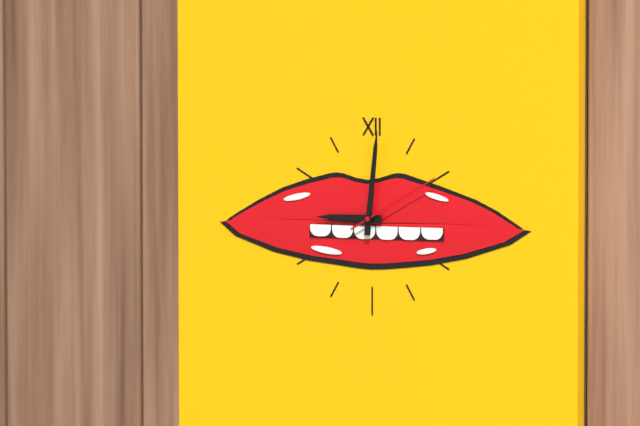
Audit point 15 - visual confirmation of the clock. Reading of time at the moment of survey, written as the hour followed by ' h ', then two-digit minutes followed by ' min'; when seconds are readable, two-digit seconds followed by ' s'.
9 h 01 min 10 s
